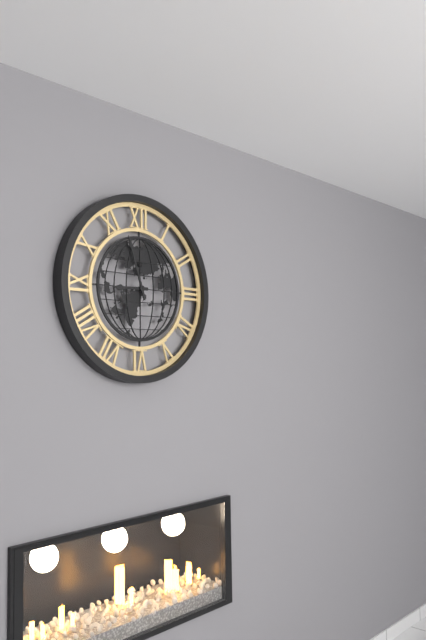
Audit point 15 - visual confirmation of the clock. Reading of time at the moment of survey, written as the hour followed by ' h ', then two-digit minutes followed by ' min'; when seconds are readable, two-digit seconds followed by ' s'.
8 h 57 min
